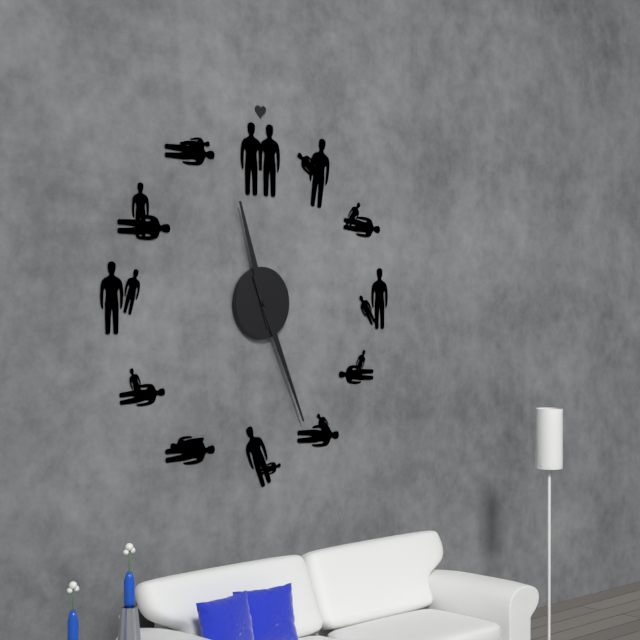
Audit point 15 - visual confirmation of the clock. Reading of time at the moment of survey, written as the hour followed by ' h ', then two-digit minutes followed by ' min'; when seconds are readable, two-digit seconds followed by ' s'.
11 h 26 min
